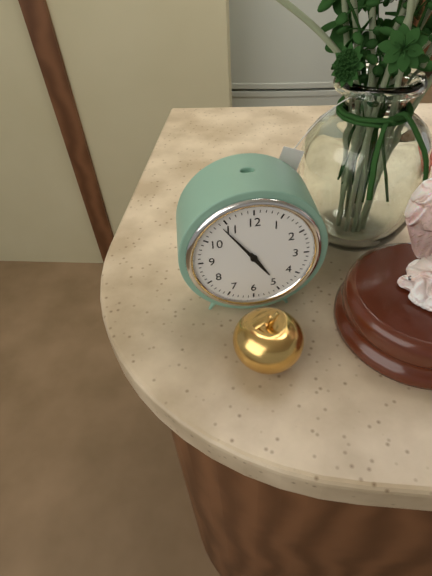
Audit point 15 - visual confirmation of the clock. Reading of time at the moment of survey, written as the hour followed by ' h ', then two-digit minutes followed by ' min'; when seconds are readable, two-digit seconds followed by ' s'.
4 h 54 min
